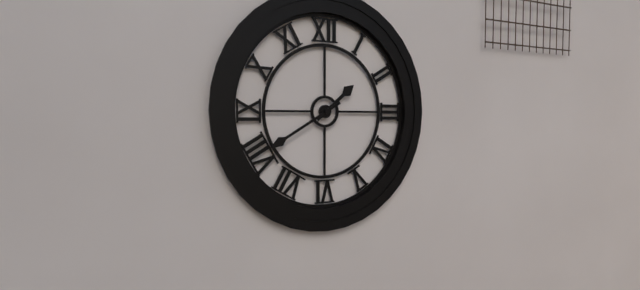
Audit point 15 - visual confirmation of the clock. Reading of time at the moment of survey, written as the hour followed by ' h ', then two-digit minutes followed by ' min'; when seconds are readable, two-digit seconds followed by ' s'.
1 h 40 min
